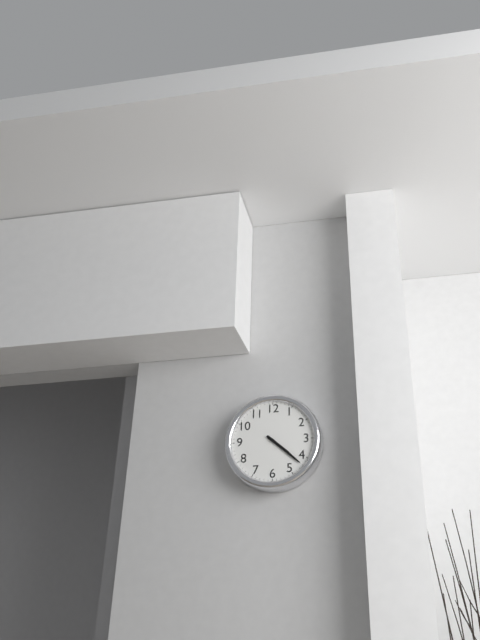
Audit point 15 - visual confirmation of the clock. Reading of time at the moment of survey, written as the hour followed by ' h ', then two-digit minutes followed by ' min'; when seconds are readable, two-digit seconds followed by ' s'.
4 h 22 min
